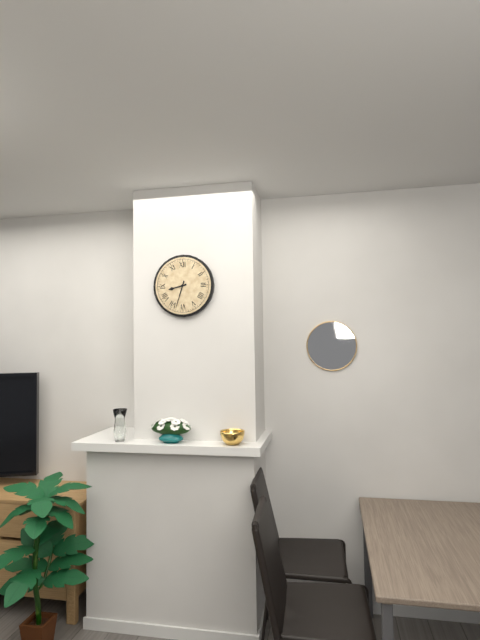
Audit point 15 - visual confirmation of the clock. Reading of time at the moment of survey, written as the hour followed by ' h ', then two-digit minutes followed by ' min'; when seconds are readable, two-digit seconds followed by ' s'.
8 h 33 min
